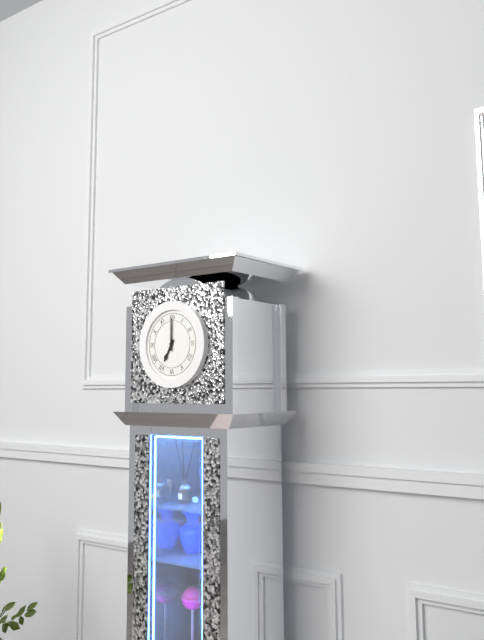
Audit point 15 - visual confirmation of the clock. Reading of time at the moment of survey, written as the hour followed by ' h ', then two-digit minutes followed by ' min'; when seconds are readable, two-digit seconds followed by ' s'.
7 h 00 min
